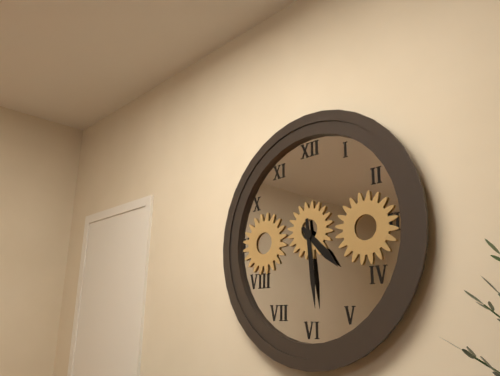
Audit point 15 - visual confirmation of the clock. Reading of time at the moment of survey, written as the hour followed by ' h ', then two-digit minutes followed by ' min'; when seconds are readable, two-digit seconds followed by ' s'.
4 h 29 min
